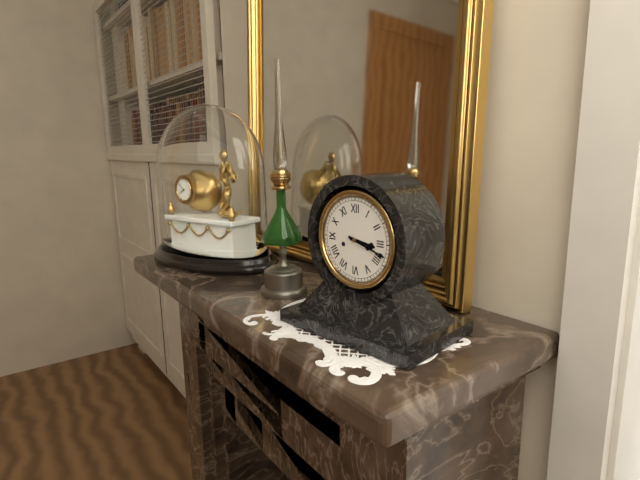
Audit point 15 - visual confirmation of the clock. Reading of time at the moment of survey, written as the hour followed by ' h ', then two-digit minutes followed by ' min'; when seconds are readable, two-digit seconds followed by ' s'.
3 h 18 min
